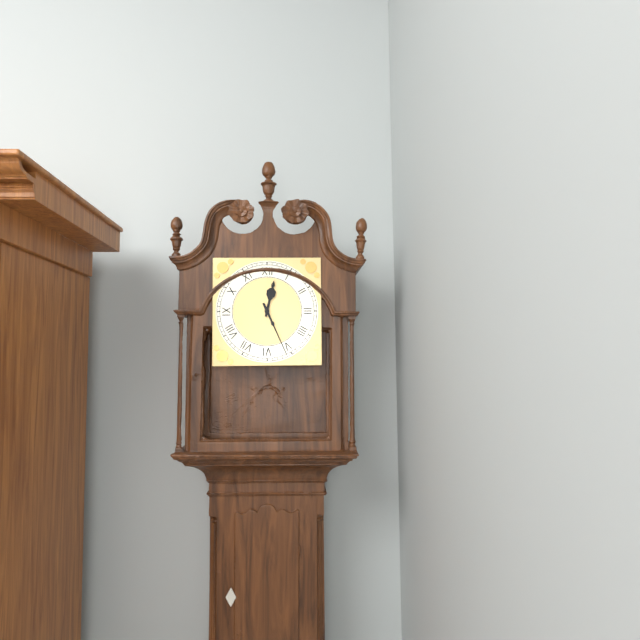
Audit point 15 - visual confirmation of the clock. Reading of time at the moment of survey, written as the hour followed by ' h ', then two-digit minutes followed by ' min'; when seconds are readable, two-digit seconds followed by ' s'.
12 h 26 min
